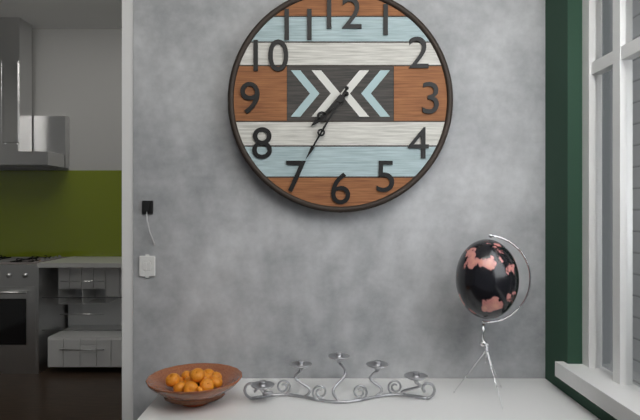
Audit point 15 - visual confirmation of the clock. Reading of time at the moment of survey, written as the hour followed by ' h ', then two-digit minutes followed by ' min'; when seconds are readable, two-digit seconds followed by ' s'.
7 h 35 min
